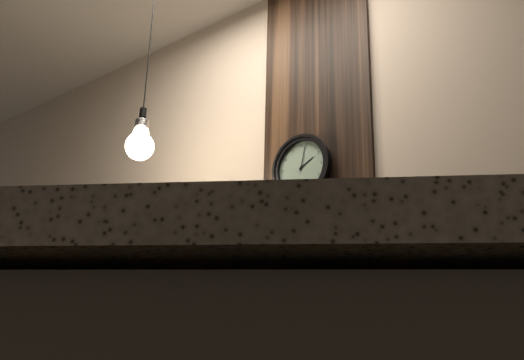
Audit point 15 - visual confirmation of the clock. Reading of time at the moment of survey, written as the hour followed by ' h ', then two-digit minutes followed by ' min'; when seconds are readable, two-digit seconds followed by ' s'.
2 h 02 min
